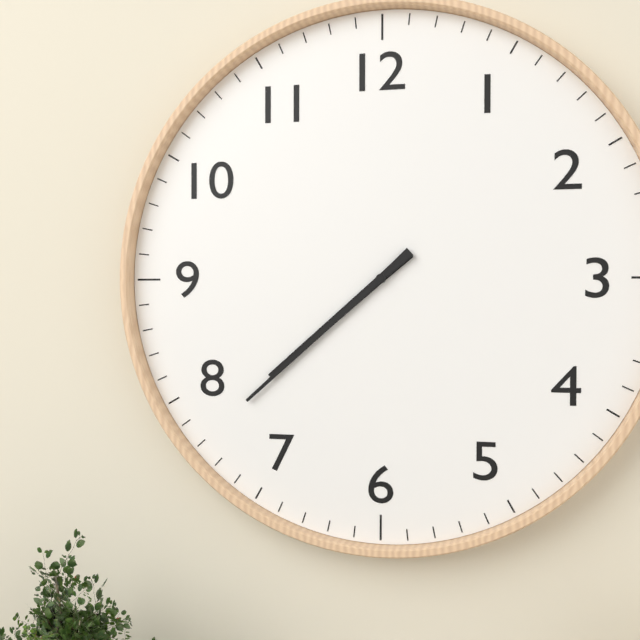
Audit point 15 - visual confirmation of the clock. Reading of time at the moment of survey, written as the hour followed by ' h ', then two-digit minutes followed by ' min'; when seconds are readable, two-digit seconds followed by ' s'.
7 h 38 min
